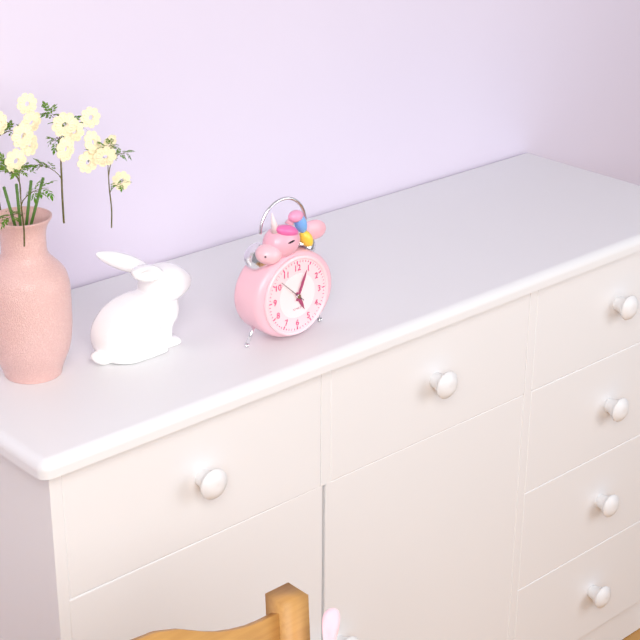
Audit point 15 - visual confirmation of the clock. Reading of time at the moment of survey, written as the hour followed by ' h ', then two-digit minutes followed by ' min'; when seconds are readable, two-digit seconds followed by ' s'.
5 h 04 min
